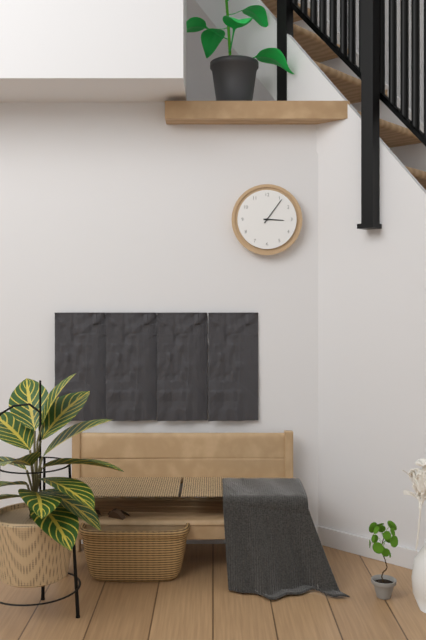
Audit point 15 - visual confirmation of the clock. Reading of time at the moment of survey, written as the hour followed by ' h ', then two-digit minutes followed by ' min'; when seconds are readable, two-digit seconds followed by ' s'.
3 h 06 min
